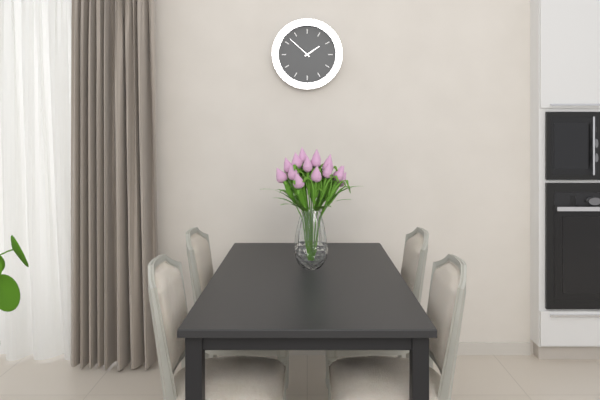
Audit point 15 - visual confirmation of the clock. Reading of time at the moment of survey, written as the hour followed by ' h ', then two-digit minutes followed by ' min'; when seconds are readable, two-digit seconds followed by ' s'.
1 h 52 min
